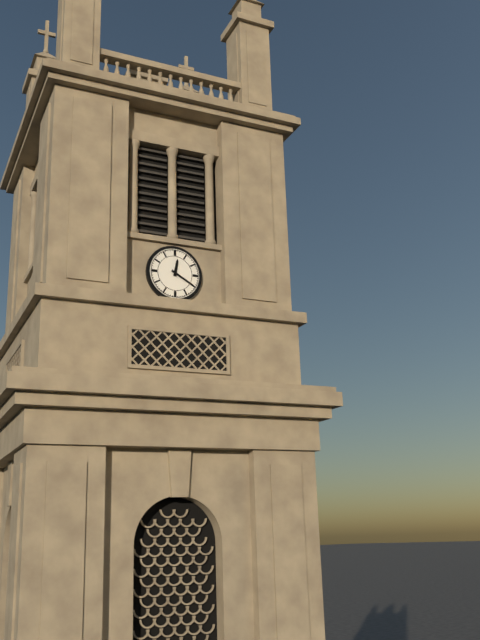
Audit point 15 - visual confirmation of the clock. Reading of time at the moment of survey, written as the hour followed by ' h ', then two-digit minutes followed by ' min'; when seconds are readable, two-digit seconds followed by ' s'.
12 h 20 min
